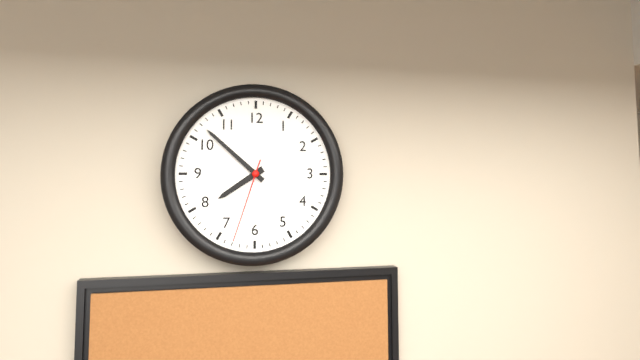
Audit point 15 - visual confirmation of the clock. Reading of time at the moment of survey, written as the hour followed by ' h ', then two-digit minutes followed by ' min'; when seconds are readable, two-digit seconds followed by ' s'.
7 h 52 min 33 s
